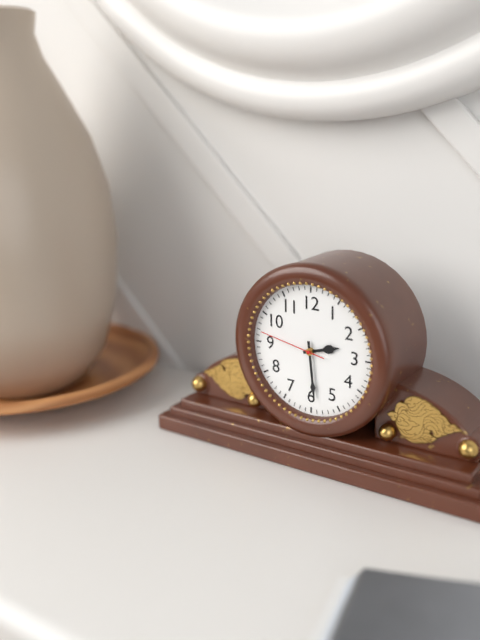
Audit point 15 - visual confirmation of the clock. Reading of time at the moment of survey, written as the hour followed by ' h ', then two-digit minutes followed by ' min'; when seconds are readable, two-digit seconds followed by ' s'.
2 h 29 min 47 s
